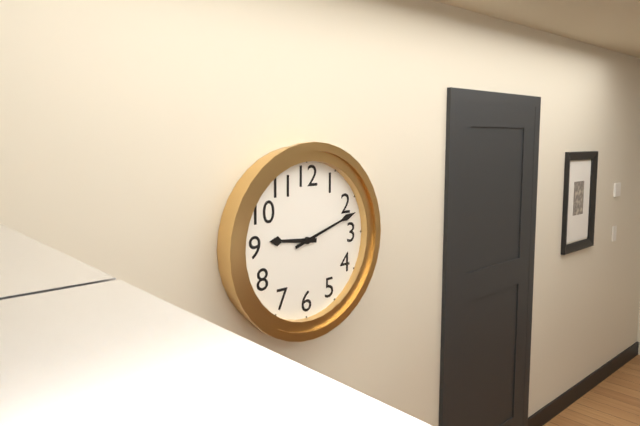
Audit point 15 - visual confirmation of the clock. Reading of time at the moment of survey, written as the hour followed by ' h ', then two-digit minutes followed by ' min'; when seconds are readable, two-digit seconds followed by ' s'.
9 h 12 min
